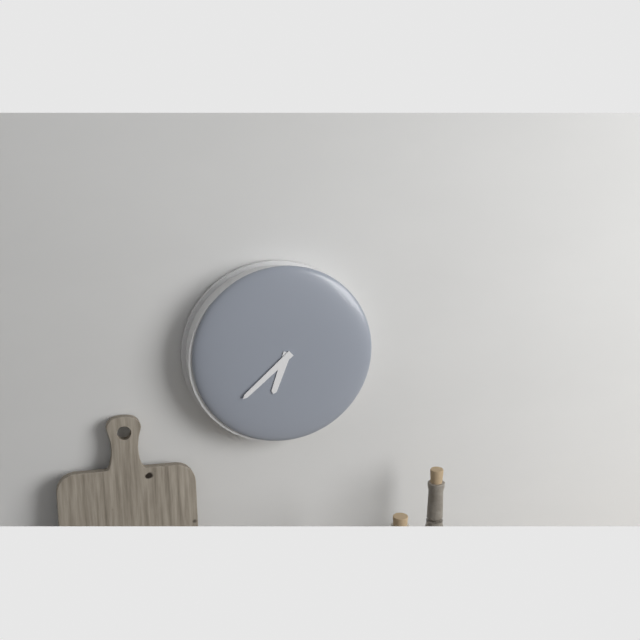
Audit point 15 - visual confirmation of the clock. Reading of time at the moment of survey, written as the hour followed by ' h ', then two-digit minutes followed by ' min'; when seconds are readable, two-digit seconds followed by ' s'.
6 h 38 min
